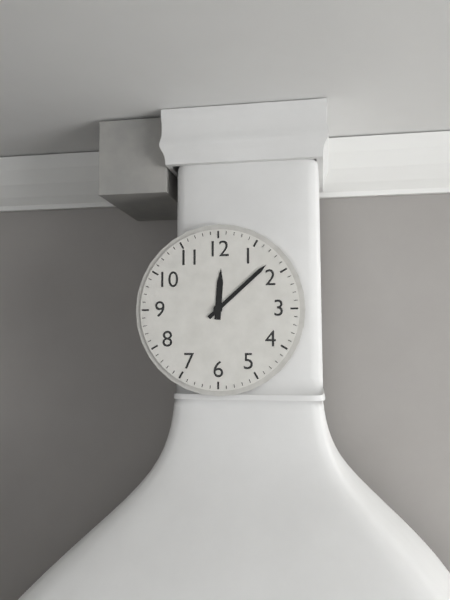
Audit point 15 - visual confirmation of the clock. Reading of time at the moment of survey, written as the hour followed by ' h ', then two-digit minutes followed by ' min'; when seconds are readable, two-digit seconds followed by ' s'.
12 h 08 min
